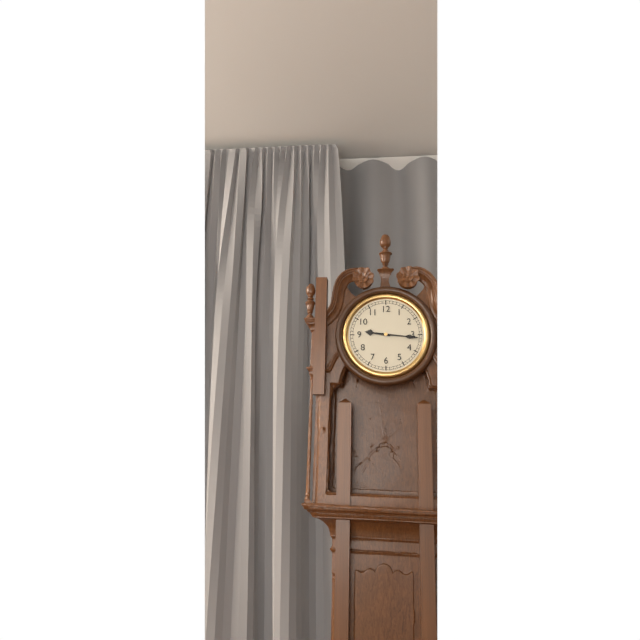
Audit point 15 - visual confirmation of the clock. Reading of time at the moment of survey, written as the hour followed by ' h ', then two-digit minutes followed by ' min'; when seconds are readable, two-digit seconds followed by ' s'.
9 h 16 min
